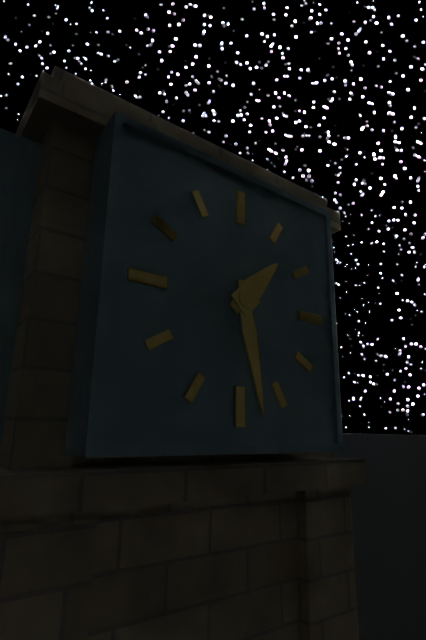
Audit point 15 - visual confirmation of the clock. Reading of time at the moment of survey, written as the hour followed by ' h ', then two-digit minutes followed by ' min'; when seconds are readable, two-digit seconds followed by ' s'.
1 h 28 min
